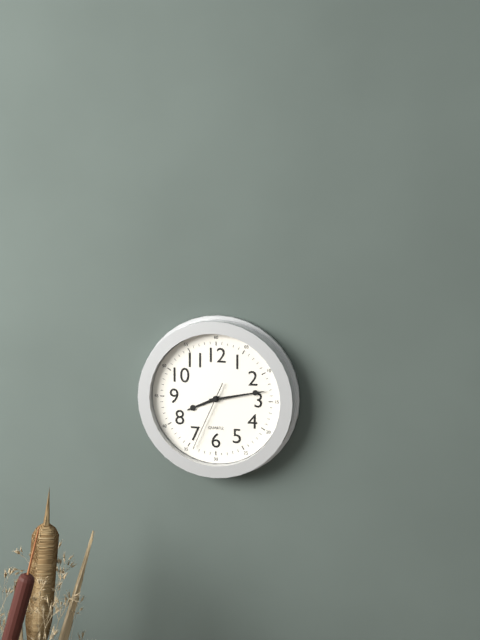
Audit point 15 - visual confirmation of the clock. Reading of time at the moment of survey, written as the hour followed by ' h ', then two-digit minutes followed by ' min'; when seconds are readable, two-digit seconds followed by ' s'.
8 h 13 min 34 s
